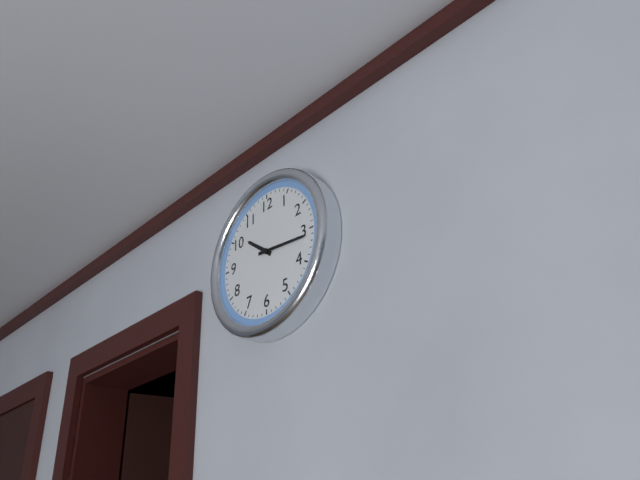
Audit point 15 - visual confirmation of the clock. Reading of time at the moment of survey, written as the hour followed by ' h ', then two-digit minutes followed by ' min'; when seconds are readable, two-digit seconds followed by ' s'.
10 h 16 min
